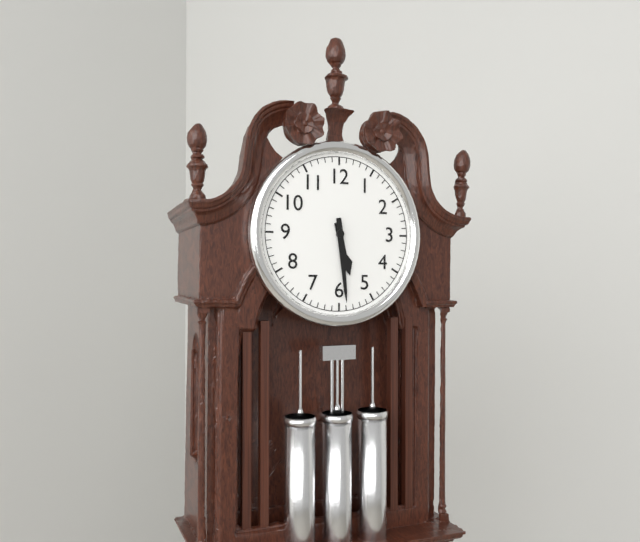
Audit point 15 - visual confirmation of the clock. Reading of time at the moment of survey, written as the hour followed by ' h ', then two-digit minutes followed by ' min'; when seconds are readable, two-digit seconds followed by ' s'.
5 h 29 min
